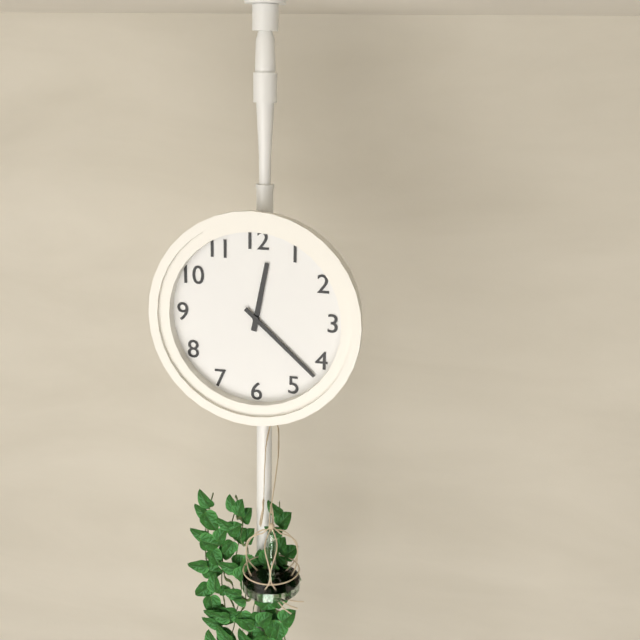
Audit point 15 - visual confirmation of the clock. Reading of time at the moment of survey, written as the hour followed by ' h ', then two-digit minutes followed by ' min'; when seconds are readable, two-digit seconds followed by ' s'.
12 h 22 min
